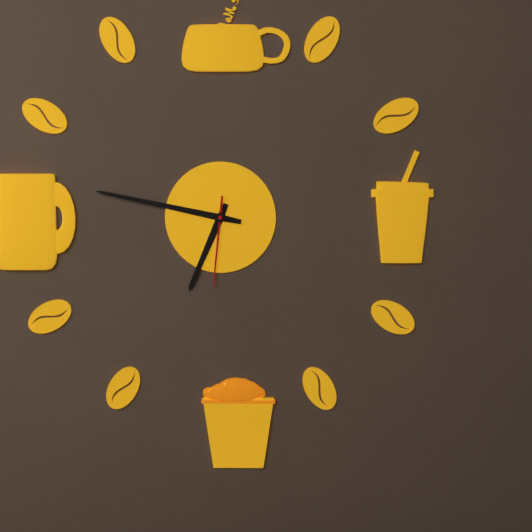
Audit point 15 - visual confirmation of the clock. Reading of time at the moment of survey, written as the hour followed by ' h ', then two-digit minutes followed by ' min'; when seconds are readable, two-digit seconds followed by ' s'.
6 h 47 min 31 s
